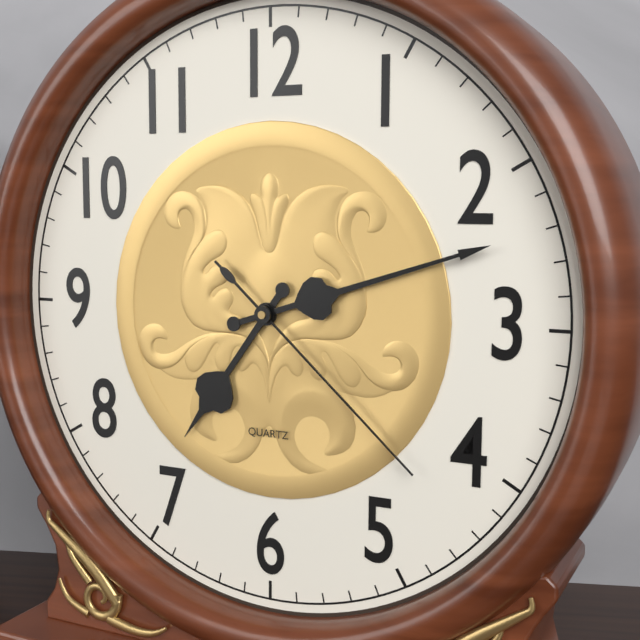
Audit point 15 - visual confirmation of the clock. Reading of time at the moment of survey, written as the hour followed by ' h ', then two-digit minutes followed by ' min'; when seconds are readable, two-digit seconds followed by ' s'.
7 h 12 min 22 s
